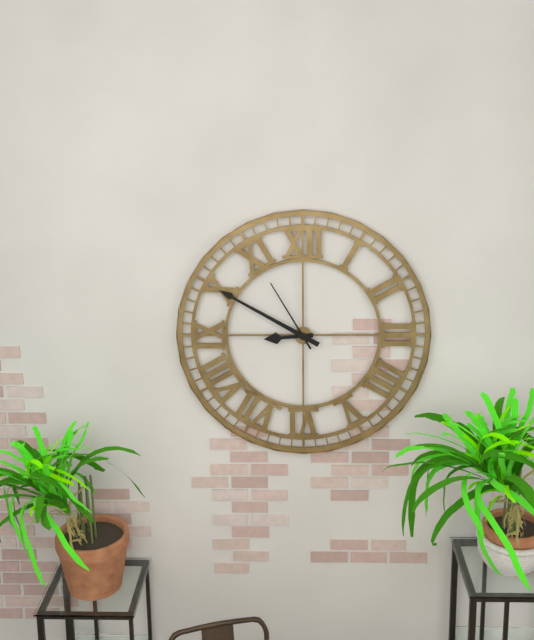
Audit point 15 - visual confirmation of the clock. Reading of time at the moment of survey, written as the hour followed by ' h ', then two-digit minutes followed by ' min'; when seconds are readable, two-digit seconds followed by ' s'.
8 h 50 min 55 s
